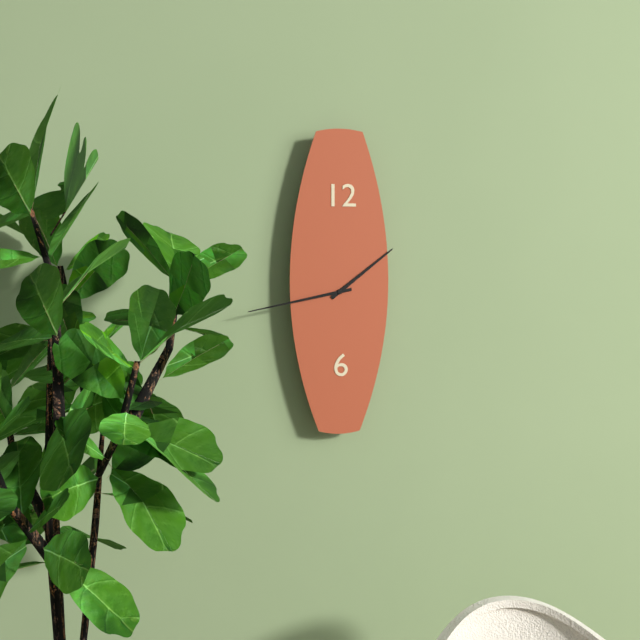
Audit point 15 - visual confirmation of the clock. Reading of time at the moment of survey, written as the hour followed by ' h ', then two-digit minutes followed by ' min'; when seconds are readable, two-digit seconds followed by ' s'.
1 h 43 min
